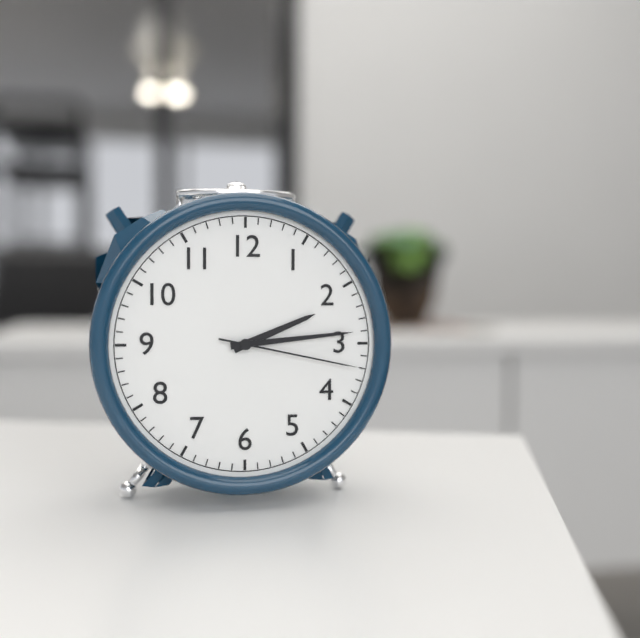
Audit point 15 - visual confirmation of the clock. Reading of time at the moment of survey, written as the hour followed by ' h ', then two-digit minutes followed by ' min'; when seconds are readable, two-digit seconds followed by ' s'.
2 h 14 min 17 s
